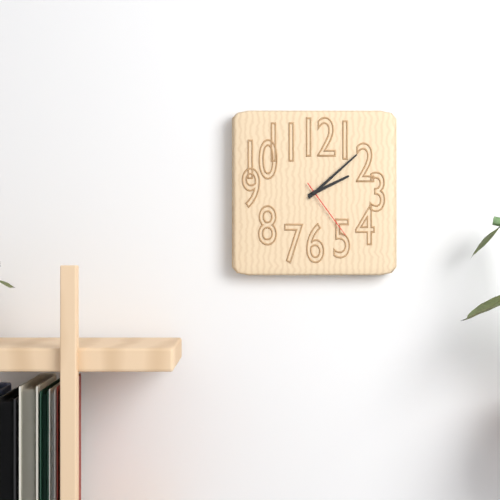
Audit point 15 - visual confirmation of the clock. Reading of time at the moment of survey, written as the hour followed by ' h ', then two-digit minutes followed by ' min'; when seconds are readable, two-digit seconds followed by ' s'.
2 h 08 min 24 s
